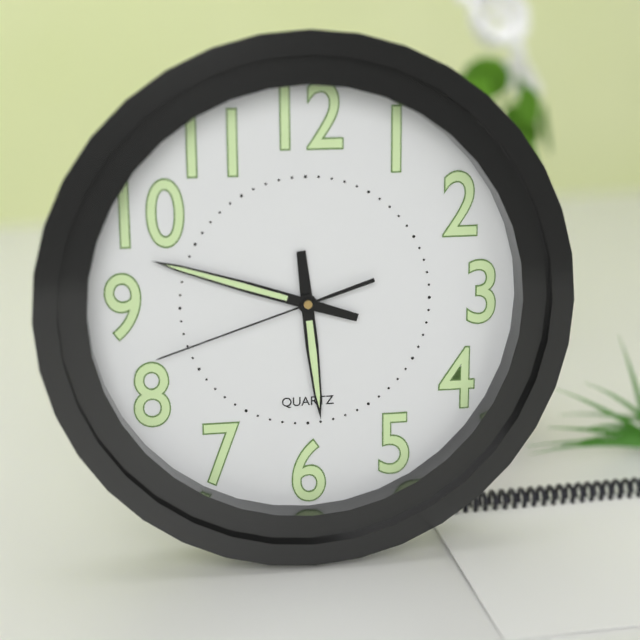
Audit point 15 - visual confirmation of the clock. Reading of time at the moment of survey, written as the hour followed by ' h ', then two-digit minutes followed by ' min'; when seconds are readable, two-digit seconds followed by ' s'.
5 h 48 min 42 s
